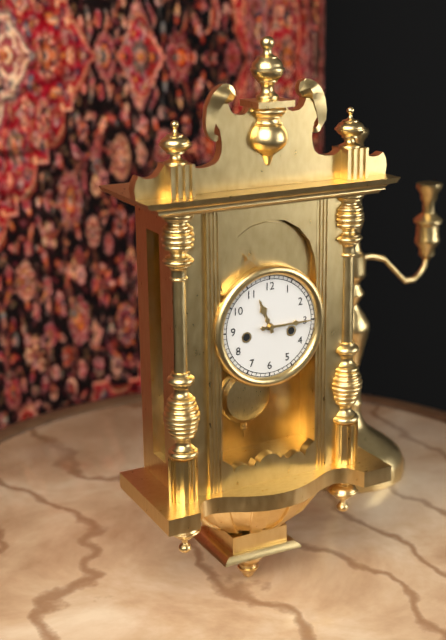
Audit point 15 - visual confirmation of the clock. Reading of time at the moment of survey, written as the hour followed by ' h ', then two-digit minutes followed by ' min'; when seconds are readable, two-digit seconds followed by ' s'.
11 h 15 min
